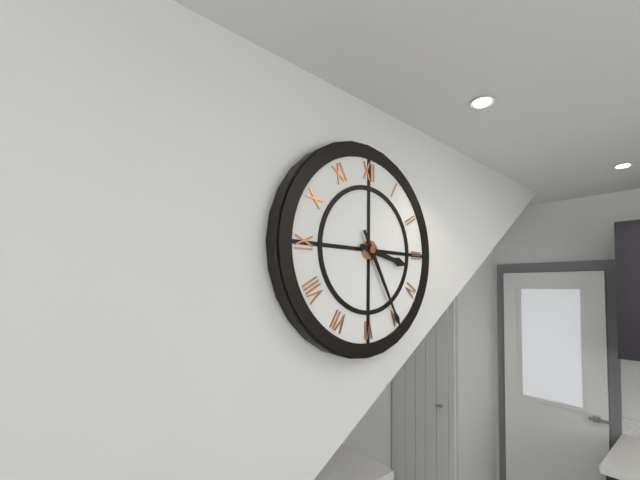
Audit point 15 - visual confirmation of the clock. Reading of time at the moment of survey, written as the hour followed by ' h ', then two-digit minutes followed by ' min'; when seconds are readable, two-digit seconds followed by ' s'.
3 h 25 min
